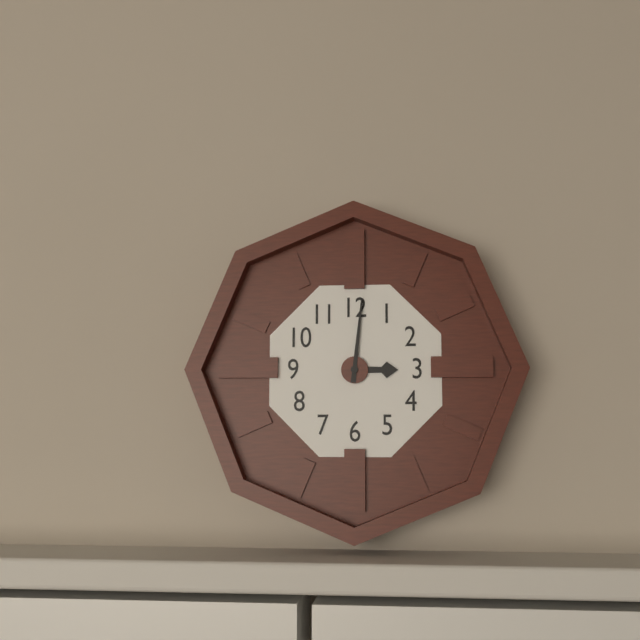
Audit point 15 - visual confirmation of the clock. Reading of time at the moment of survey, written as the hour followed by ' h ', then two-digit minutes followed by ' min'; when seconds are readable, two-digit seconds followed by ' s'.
3 h 01 min
